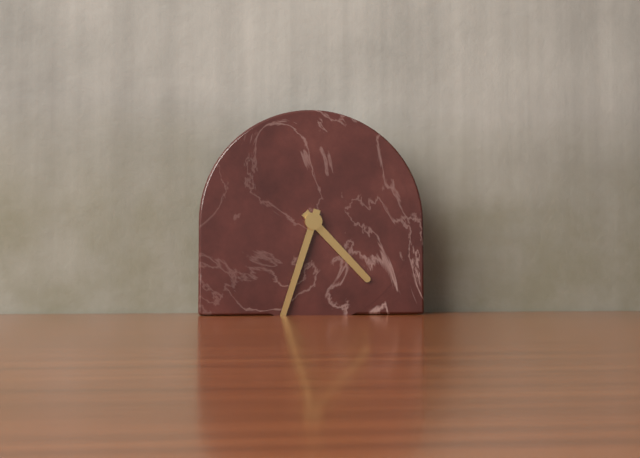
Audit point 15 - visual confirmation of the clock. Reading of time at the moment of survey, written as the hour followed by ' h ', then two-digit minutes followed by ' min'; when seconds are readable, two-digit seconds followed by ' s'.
4 h 33 min
